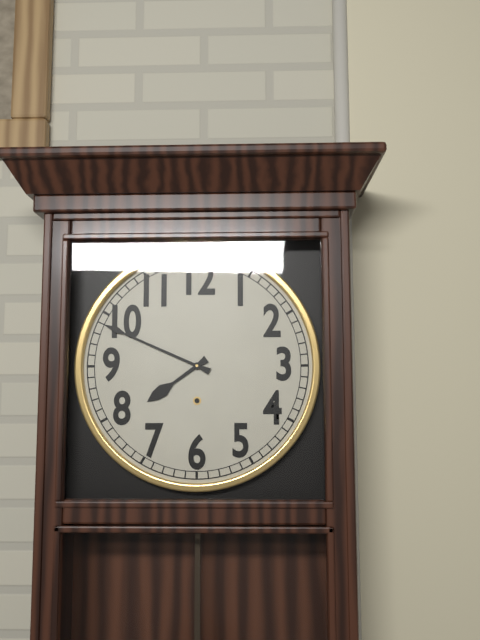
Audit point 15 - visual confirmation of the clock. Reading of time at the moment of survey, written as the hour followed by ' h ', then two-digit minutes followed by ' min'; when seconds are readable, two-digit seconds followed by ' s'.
7 h 49 min
